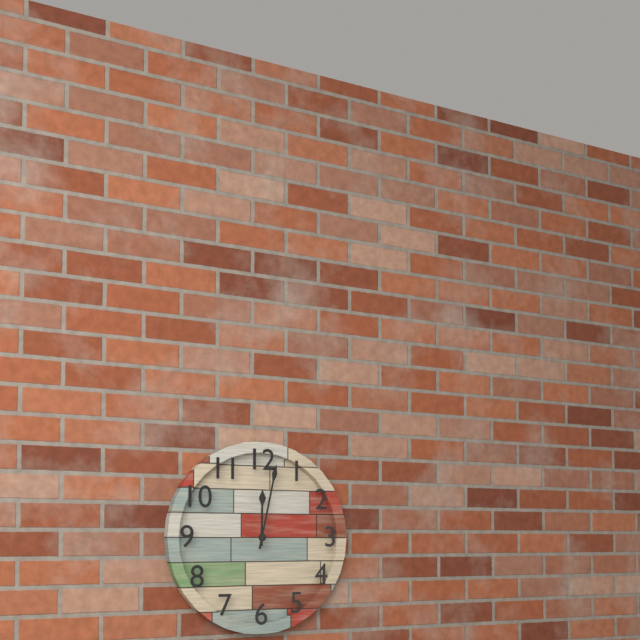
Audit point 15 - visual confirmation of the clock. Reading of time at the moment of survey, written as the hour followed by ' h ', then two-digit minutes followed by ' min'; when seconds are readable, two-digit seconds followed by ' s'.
12 h 02 min
